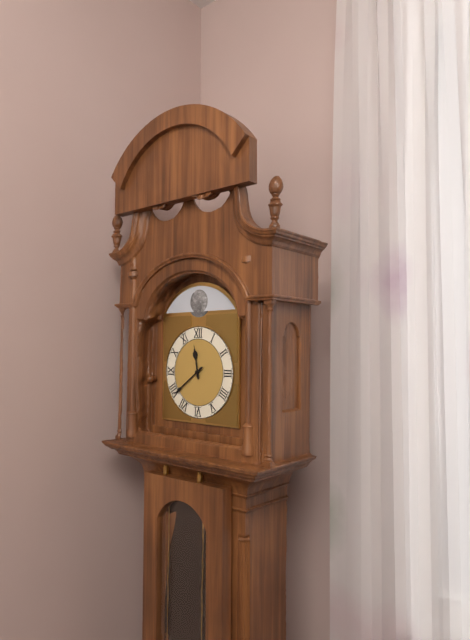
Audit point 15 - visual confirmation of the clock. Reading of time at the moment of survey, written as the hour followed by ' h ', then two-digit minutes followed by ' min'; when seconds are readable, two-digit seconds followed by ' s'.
11 h 39 min
